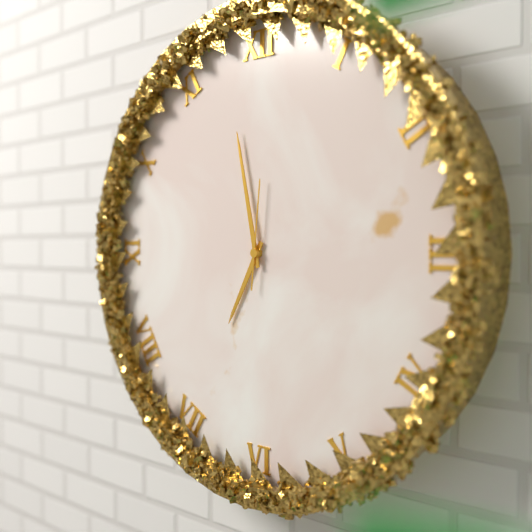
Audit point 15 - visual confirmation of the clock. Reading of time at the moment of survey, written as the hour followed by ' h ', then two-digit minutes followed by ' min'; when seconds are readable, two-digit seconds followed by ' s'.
6 h 58 min 01 s
